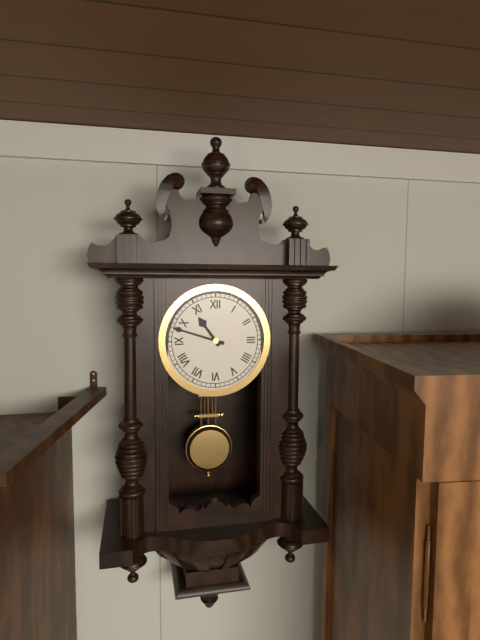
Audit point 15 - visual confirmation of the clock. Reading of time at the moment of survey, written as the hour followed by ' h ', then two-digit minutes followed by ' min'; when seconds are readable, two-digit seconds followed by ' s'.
10 h 48 min
